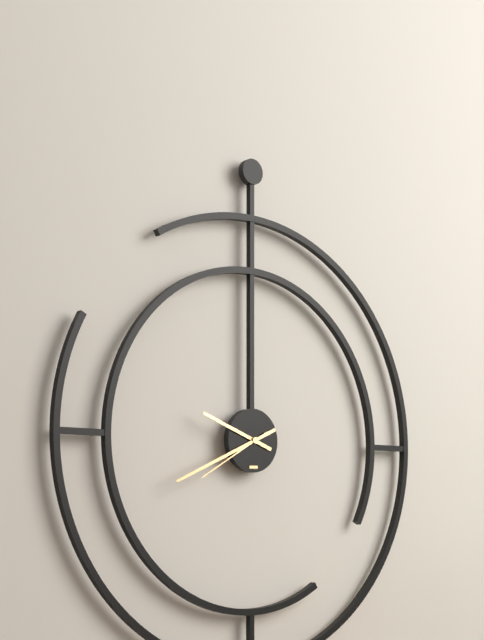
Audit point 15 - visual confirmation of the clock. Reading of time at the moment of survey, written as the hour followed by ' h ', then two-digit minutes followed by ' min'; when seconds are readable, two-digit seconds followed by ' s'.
9 h 41 min 40 s
